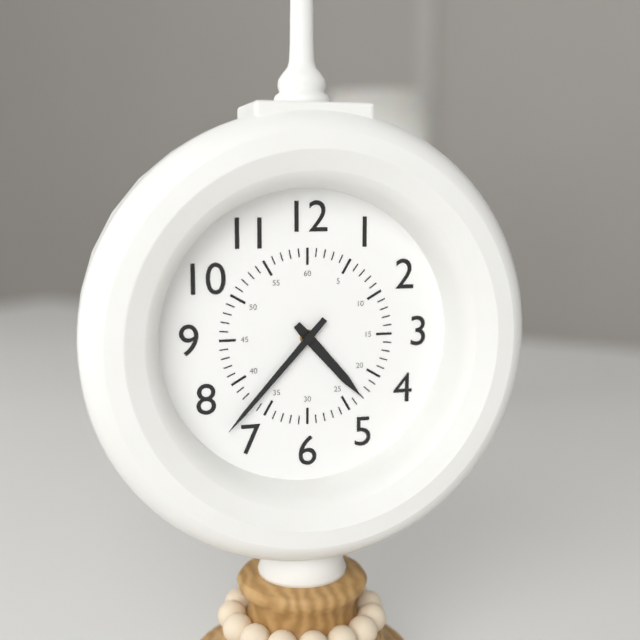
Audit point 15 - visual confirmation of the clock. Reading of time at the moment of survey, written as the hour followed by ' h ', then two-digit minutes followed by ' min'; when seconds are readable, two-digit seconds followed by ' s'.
4 h 37 min
